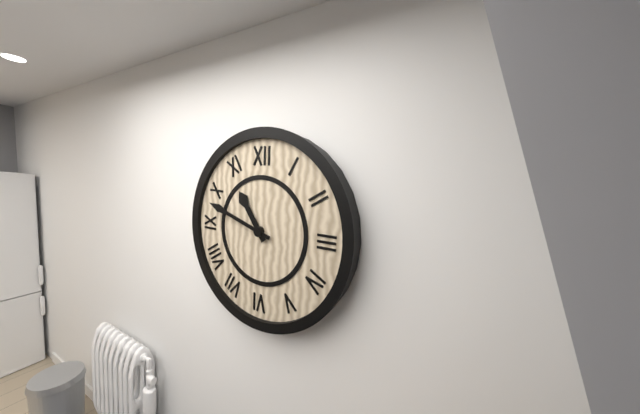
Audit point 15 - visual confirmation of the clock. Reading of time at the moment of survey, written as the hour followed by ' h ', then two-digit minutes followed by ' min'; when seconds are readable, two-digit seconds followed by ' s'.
10 h 48 min
